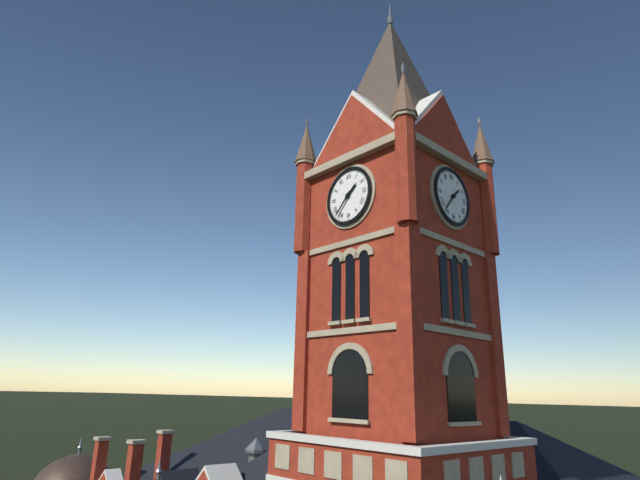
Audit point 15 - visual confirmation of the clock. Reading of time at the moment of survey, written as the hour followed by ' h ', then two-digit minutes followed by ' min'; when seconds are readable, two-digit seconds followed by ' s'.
1 h 37 min
